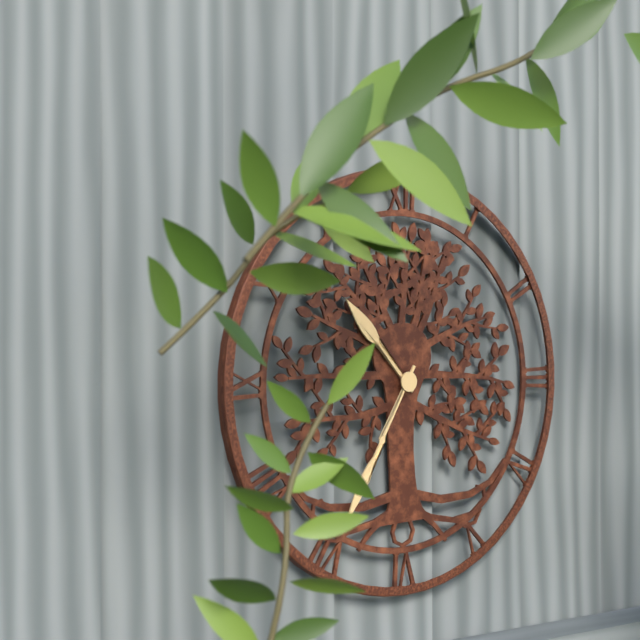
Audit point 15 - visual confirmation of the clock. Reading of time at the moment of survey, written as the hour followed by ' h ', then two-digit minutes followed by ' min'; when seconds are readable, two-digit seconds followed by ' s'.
10 h 35 min
